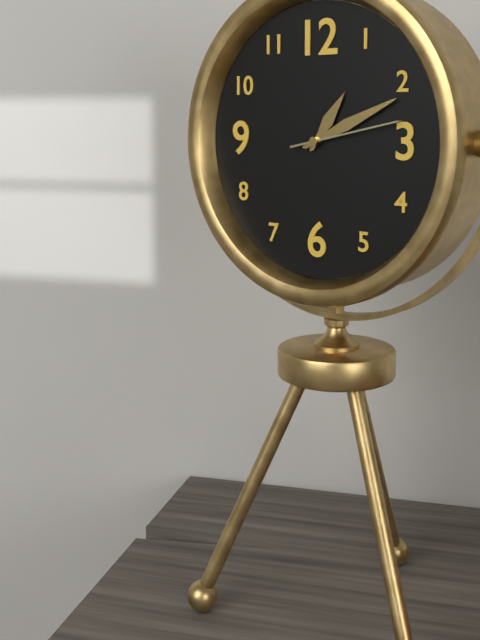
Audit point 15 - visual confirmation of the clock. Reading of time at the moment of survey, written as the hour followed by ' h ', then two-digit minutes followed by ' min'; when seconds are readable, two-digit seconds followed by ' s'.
1 h 11 min 13 s
